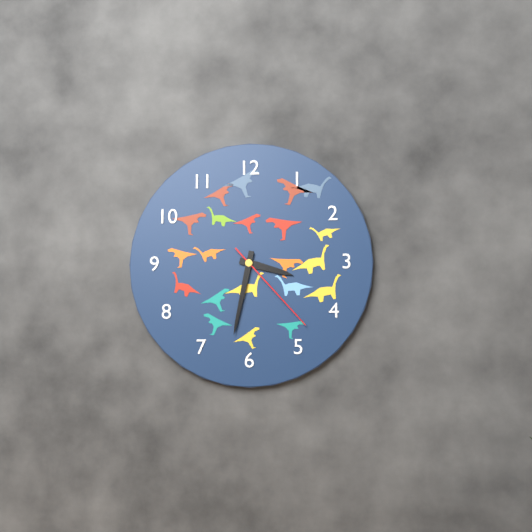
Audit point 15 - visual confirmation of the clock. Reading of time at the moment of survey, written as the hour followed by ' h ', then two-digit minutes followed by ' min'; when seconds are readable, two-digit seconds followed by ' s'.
3 h 32 min 23 s
